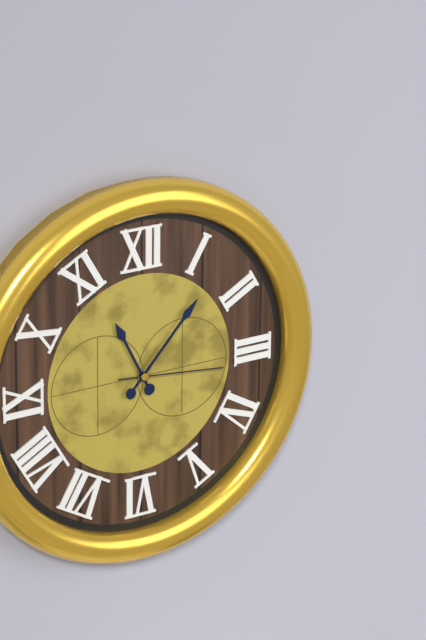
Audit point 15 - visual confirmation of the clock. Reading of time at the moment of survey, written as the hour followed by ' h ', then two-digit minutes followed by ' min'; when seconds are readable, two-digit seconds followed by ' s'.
11 h 07 min 16 s
